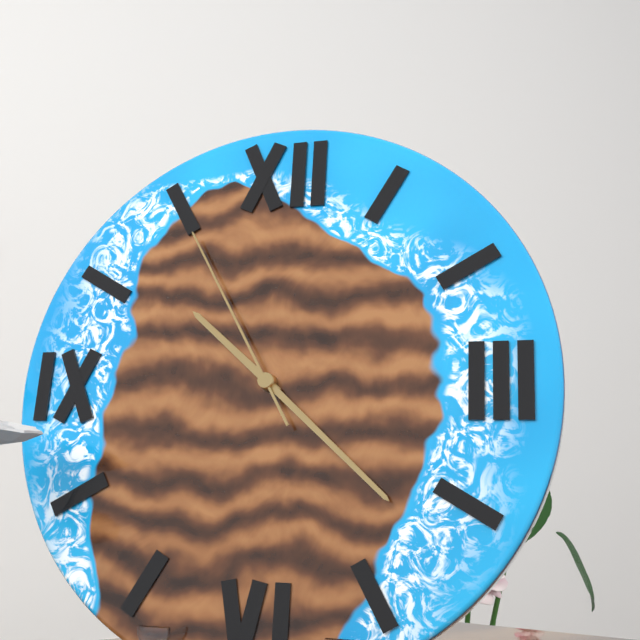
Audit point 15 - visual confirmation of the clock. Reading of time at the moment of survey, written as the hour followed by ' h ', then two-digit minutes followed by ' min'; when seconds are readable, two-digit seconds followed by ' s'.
10 h 22 min 55 s
